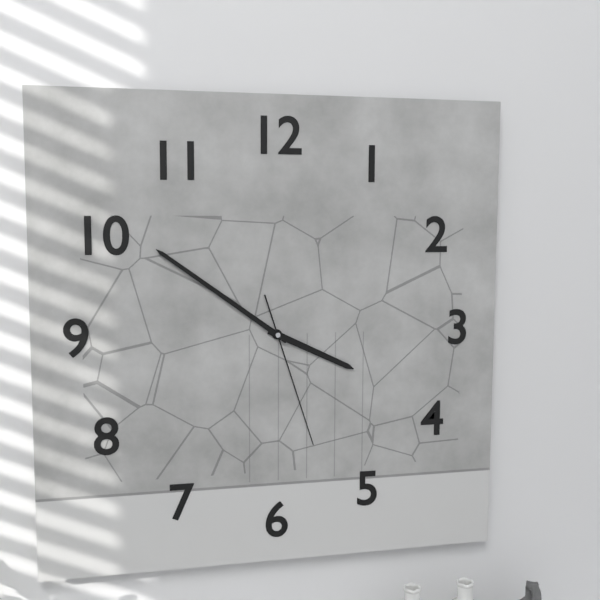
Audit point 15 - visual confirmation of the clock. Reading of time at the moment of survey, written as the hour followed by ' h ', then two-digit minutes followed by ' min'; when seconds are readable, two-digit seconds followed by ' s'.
3 h 51 min 27 s
